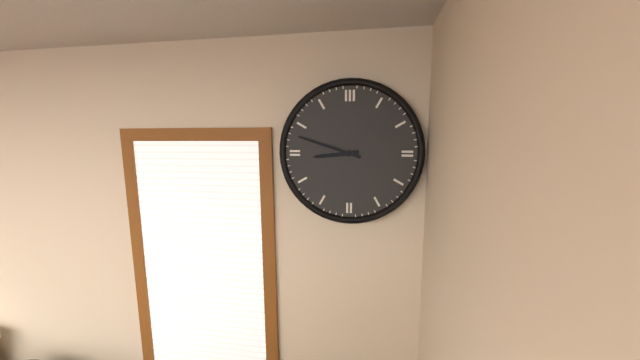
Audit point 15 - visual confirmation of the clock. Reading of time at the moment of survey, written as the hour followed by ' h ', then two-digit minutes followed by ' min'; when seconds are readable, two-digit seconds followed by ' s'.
8 h 48 min
